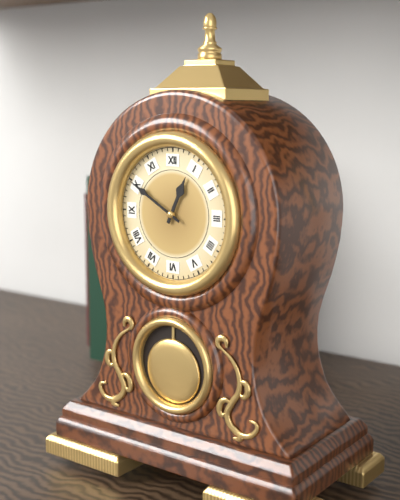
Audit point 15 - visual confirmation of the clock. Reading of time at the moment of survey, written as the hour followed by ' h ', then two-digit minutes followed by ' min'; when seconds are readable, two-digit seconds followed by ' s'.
12 h 50 min
